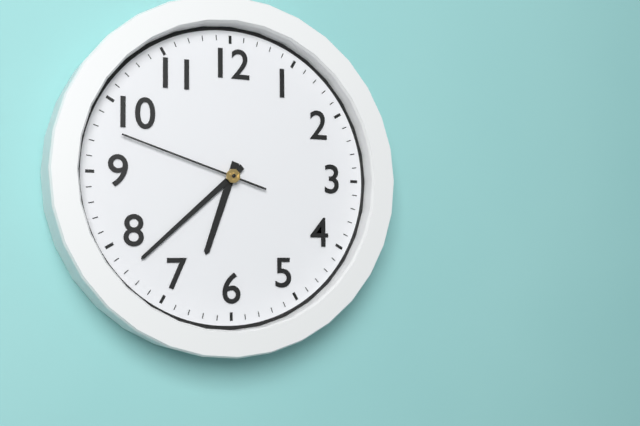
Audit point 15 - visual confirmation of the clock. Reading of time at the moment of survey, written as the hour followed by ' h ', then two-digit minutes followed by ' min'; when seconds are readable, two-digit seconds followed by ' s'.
6 h 38 min 48 s
